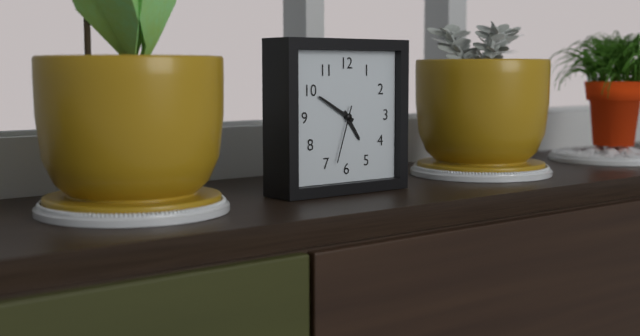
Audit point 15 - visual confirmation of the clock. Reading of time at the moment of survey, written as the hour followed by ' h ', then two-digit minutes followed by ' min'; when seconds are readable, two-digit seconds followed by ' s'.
4 h 50 min 33 s
